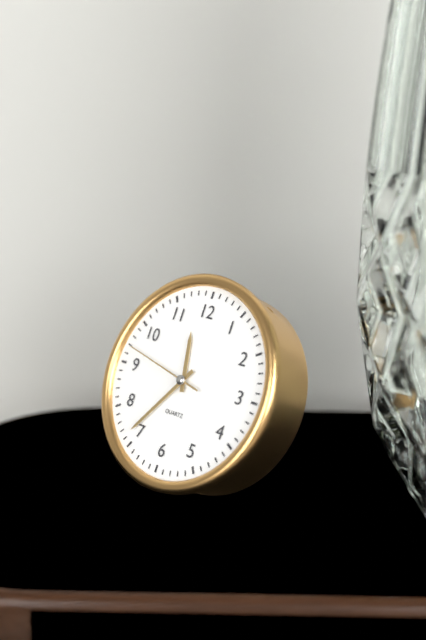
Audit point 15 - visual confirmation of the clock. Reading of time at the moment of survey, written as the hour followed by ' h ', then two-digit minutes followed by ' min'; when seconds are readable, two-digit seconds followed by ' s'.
11 h 36 min 47 s
